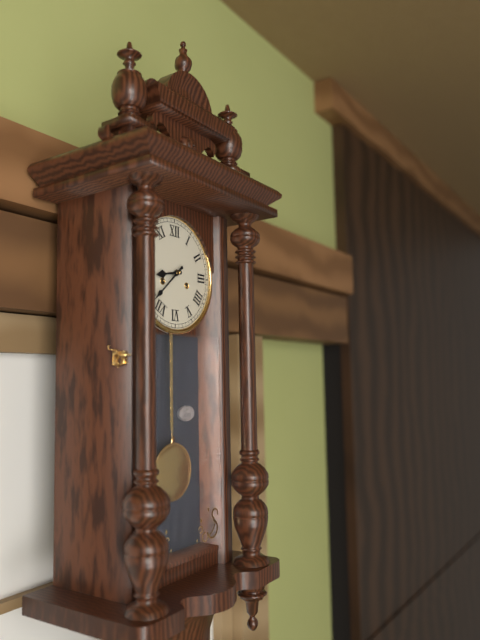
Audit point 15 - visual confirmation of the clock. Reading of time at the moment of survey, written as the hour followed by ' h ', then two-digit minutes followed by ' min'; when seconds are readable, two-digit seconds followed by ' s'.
8 h 38 min
